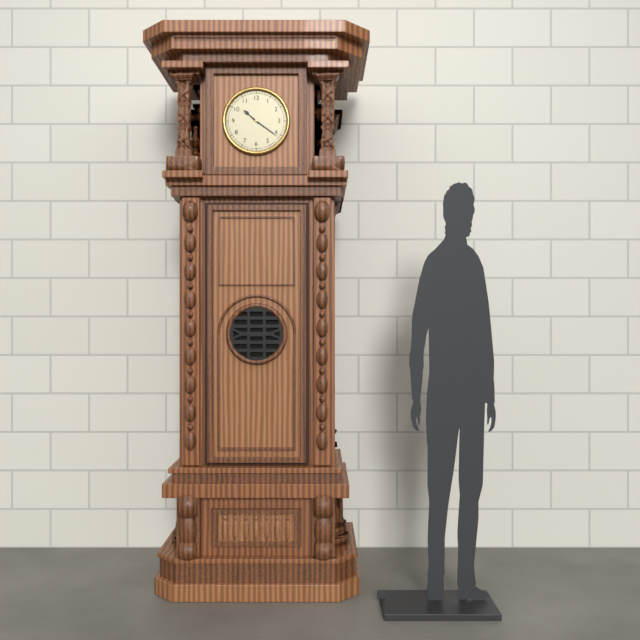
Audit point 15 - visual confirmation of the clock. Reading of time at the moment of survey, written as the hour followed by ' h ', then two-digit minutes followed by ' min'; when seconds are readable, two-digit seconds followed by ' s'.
10 h 21 min
